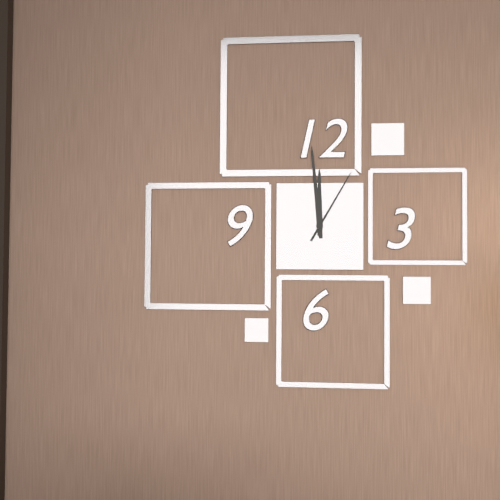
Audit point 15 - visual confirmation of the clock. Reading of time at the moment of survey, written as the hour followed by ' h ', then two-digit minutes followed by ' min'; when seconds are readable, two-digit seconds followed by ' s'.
11 h 59 min 05 s
